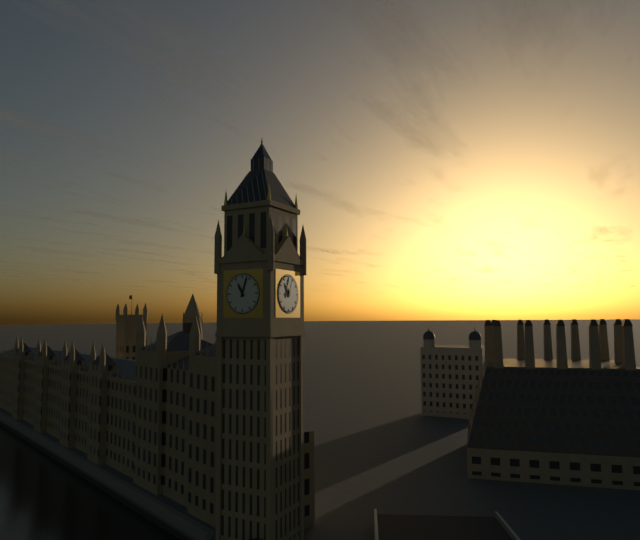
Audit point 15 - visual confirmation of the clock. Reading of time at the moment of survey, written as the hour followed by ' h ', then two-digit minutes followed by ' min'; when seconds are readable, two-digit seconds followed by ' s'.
11 h 03 min
